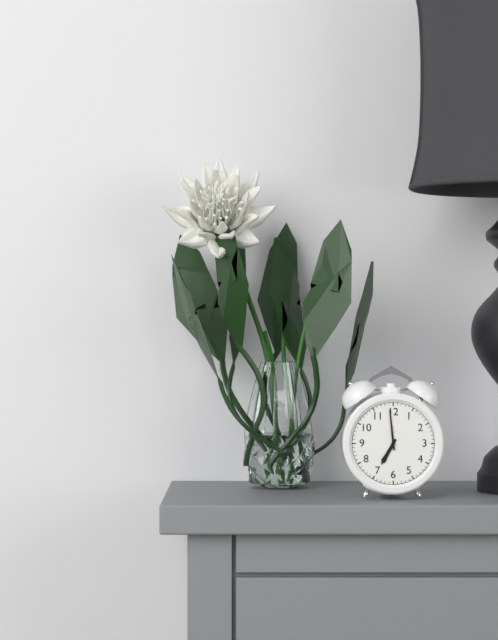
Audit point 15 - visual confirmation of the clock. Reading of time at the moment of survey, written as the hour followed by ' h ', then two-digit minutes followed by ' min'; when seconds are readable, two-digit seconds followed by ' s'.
6 h 59 min
